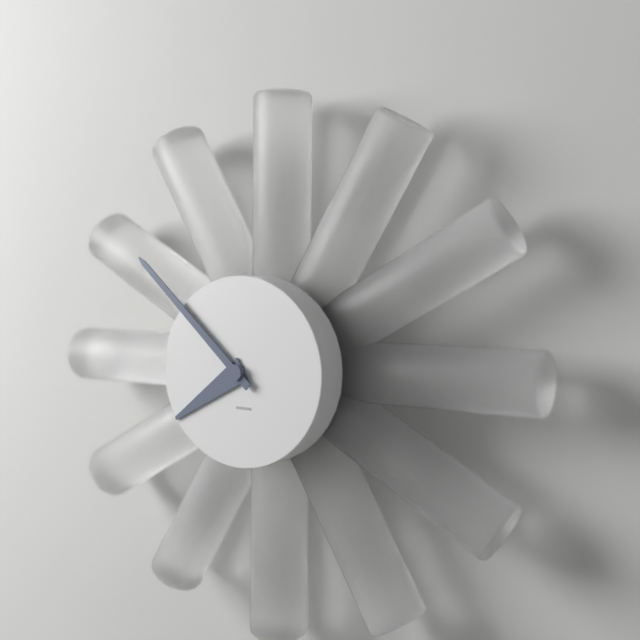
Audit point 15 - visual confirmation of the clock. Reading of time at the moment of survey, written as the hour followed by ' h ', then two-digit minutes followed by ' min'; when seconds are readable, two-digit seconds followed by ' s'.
7 h 52 min
